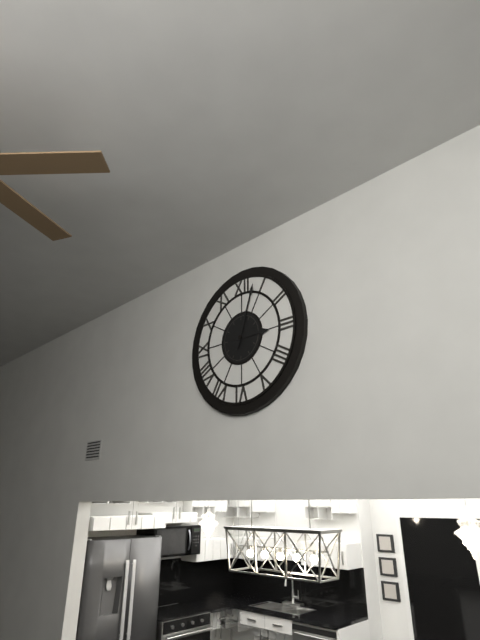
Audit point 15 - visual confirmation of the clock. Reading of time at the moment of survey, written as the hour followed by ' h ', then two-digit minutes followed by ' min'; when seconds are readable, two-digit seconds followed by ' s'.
3 h 03 min
